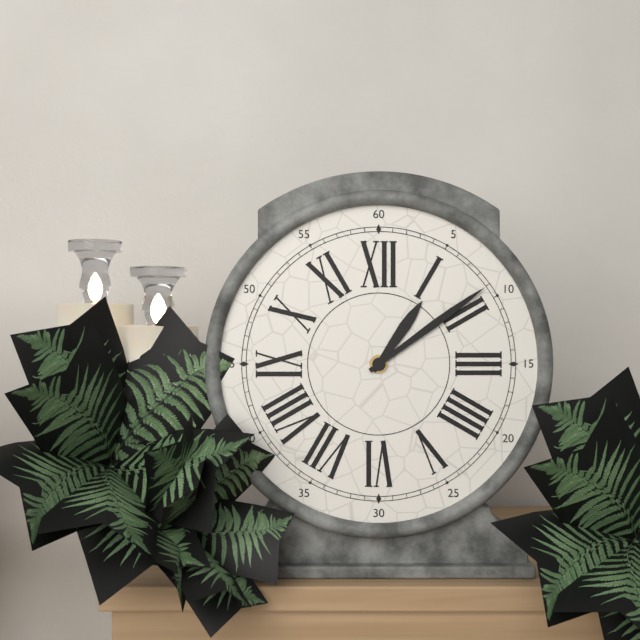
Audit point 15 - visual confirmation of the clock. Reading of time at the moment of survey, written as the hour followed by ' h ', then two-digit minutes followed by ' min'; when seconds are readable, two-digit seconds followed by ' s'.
1 h 09 min
